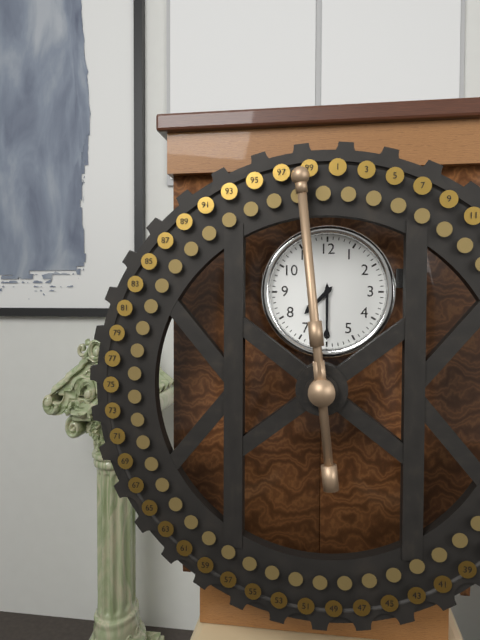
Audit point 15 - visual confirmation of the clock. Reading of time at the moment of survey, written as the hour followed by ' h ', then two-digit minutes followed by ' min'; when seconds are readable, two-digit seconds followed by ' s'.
7 h 30 min
